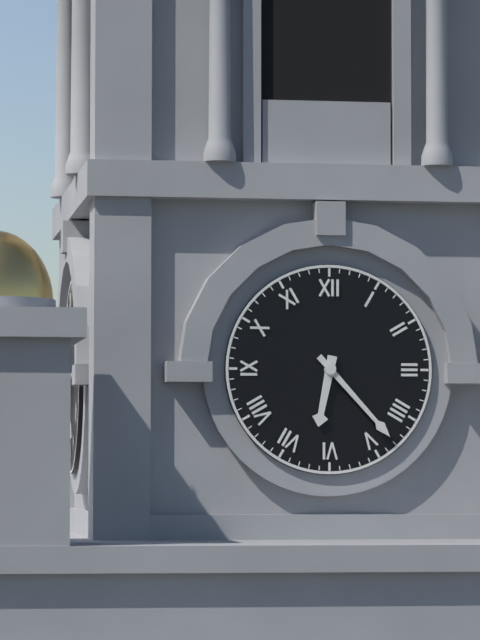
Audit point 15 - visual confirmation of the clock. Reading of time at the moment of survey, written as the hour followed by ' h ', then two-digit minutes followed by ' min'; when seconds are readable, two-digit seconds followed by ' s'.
6 h 23 min
